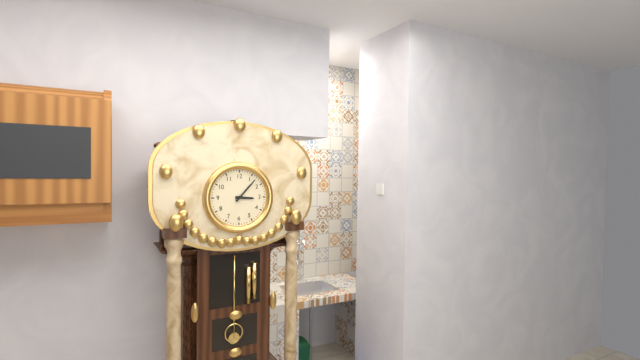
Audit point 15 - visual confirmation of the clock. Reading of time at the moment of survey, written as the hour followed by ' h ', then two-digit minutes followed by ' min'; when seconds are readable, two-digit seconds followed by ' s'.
3 h 07 min
